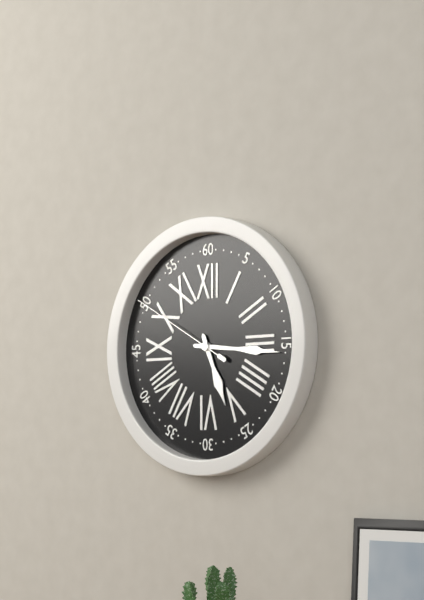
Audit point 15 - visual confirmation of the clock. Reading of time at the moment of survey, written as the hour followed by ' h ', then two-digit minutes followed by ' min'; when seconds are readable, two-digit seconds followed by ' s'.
5 h 16 min 50 s
